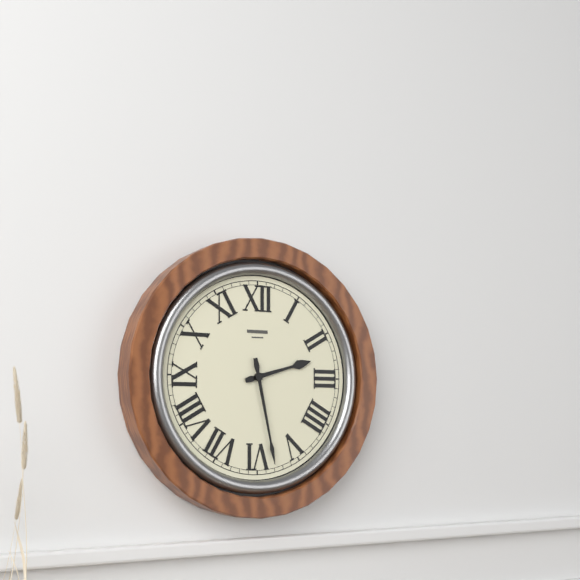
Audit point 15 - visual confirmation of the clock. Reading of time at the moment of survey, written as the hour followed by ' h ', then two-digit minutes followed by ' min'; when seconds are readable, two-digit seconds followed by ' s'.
2 h 28 min
